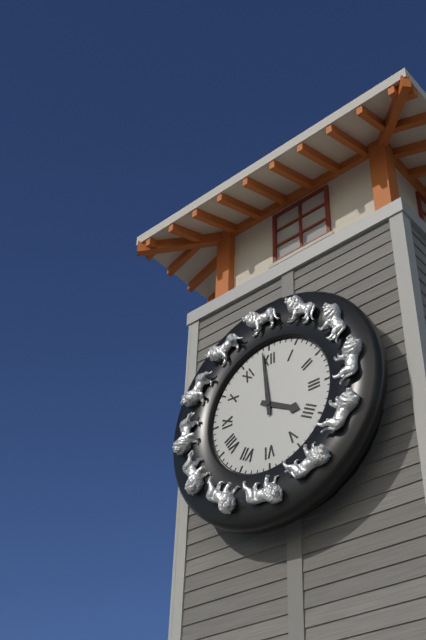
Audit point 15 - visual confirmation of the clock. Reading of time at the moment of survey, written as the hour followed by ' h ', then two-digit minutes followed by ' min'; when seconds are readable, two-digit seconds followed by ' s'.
3 h 59 min
